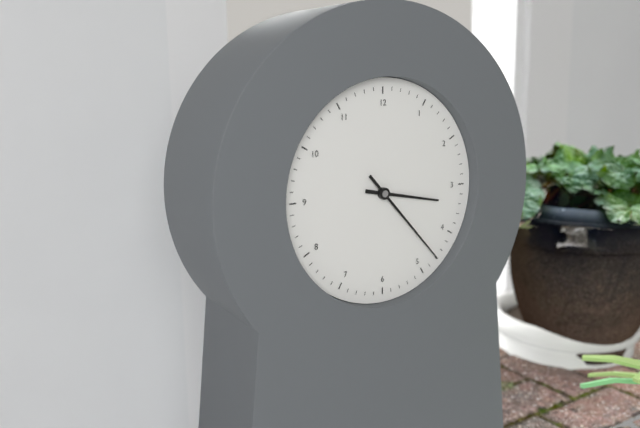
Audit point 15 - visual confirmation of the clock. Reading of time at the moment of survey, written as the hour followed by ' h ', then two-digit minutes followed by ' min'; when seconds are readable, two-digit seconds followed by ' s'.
3 h 23 min
